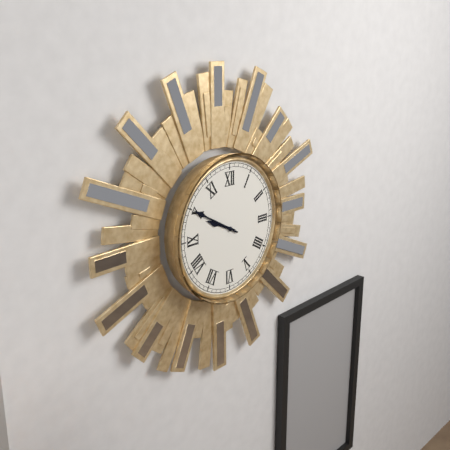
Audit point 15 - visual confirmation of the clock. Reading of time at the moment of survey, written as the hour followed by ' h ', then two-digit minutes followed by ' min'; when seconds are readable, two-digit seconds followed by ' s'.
9 h 50 min
